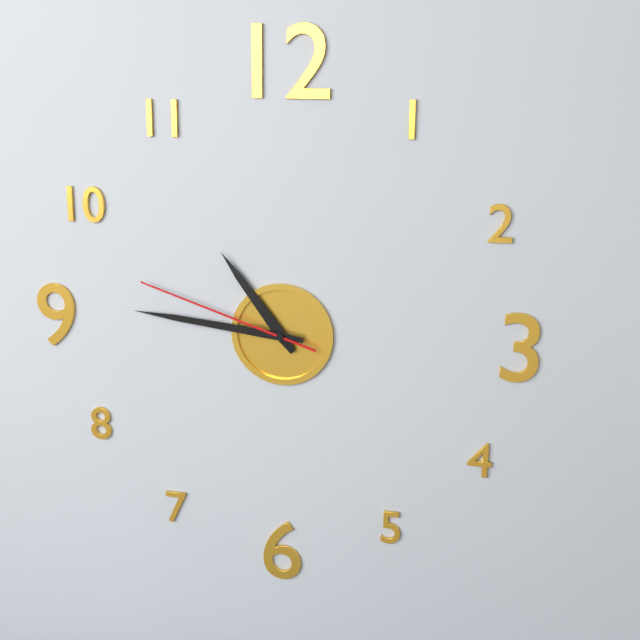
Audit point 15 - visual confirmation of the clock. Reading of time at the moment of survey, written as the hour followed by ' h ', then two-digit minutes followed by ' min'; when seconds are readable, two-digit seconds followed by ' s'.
10 h 46 min 48 s
